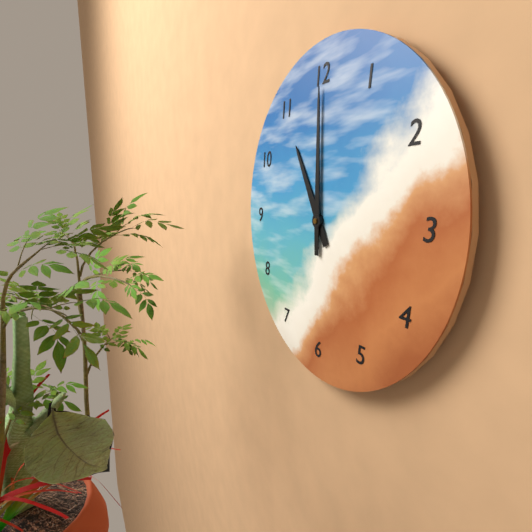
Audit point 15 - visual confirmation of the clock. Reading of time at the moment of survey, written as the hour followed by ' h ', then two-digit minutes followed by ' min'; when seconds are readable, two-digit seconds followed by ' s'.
11 h 00 min
